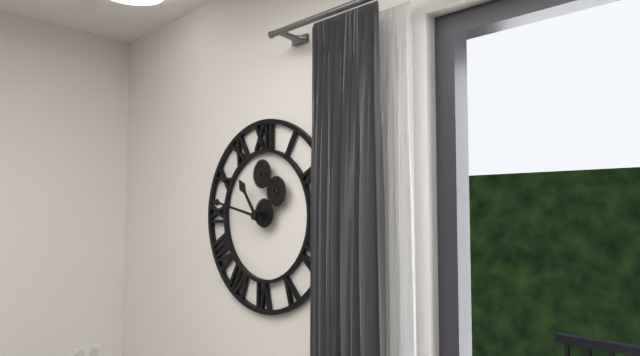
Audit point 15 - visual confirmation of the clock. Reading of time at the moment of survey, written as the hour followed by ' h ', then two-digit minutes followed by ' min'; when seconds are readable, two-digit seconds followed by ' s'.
10 h 47 min
